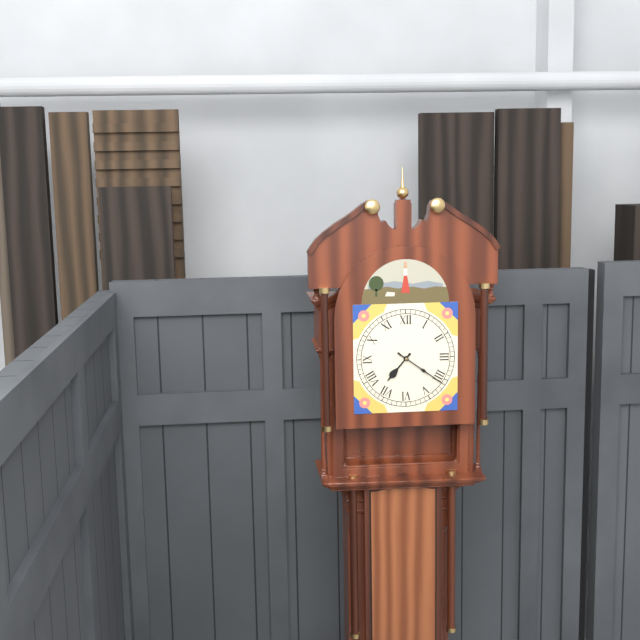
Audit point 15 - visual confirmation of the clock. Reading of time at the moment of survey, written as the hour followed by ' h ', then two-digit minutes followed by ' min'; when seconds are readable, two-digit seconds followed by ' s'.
7 h 21 min
